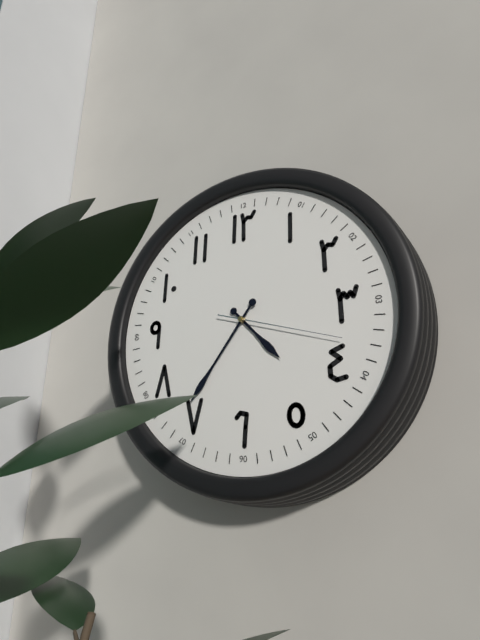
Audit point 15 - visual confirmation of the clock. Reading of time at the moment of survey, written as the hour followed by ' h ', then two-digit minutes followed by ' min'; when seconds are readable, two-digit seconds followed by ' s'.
4 h 36 min 18 s
